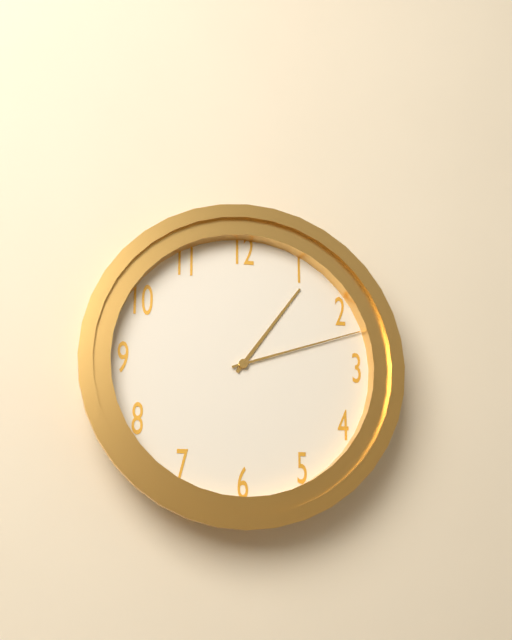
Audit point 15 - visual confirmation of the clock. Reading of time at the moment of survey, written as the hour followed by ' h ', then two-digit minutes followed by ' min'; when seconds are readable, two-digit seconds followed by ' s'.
1 h 12 min
